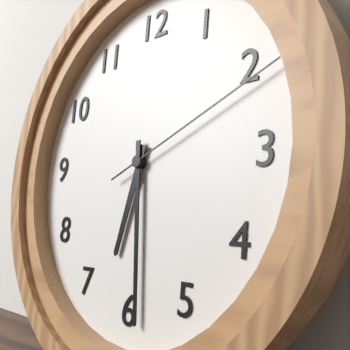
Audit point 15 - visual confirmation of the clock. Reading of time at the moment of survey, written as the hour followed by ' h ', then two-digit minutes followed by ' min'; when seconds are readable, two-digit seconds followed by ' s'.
6 h 29 min 11 s
